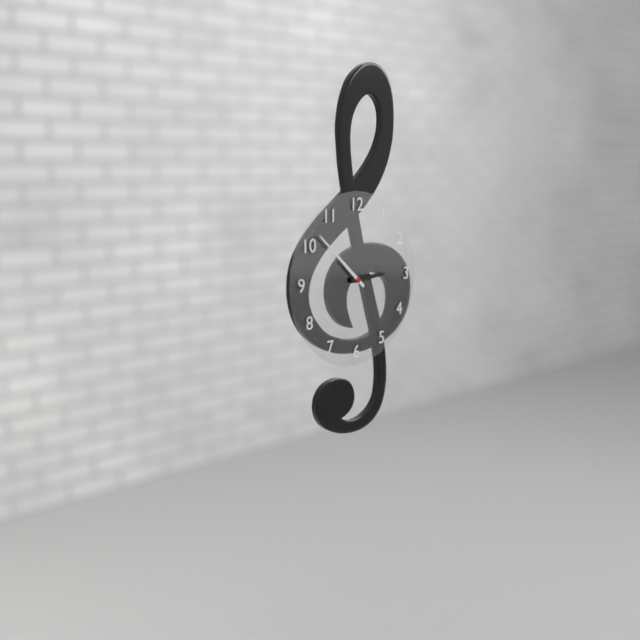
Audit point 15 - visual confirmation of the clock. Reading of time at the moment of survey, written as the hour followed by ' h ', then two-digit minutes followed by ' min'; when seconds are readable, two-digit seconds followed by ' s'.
2 h 52 min
